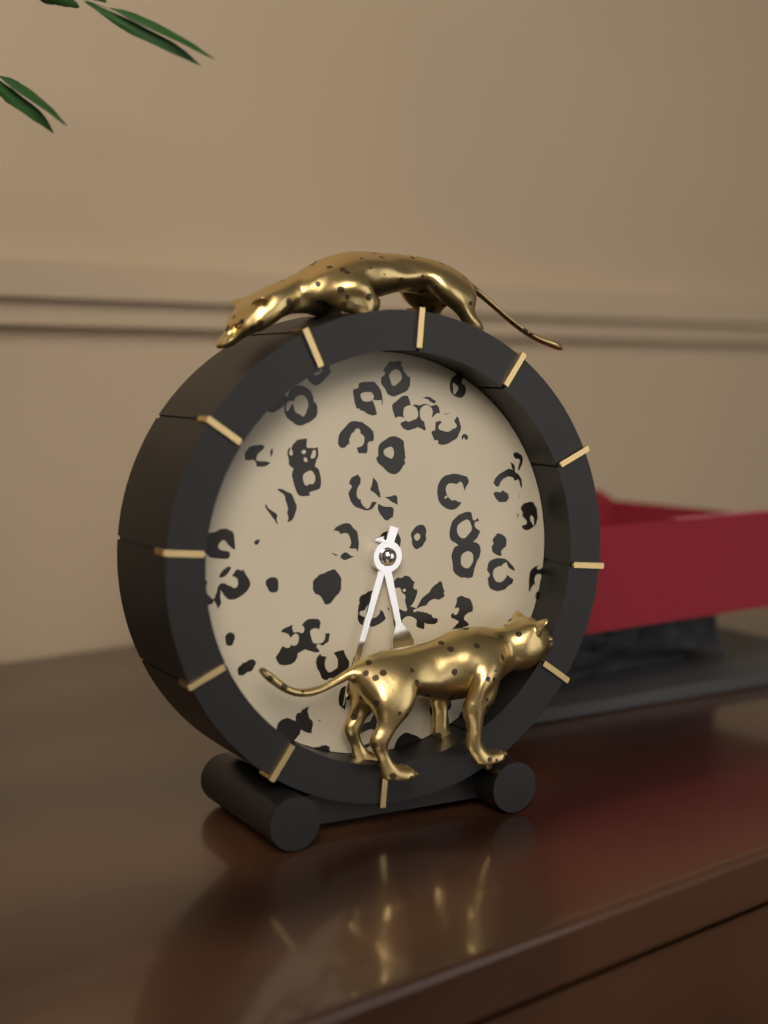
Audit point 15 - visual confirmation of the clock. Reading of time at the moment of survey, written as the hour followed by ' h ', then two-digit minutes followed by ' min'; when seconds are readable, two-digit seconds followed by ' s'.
5 h 33 min
